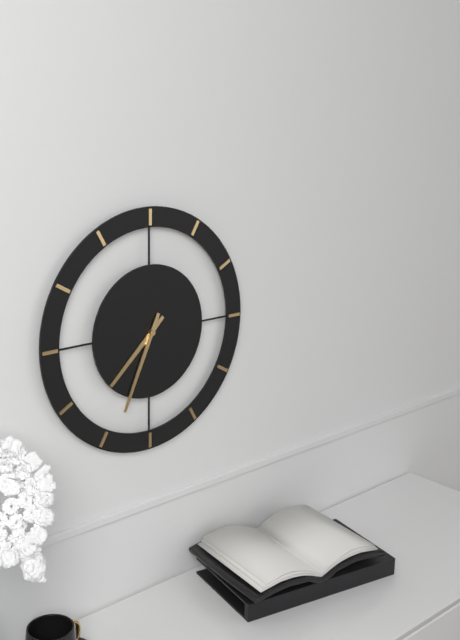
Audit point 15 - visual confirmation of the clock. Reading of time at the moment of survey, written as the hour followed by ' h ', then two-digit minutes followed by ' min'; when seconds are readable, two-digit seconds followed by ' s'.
7 h 34 min
